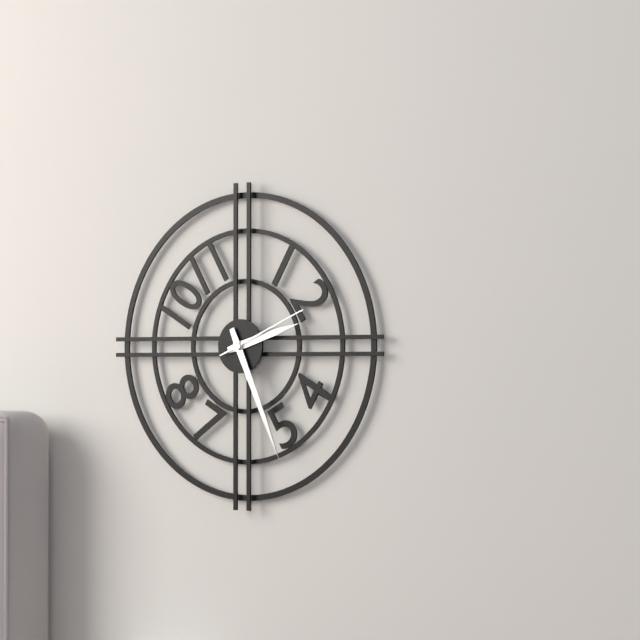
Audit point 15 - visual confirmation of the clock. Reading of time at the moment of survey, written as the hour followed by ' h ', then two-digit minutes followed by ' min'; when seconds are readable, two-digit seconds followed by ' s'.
2 h 26 min 11 s
